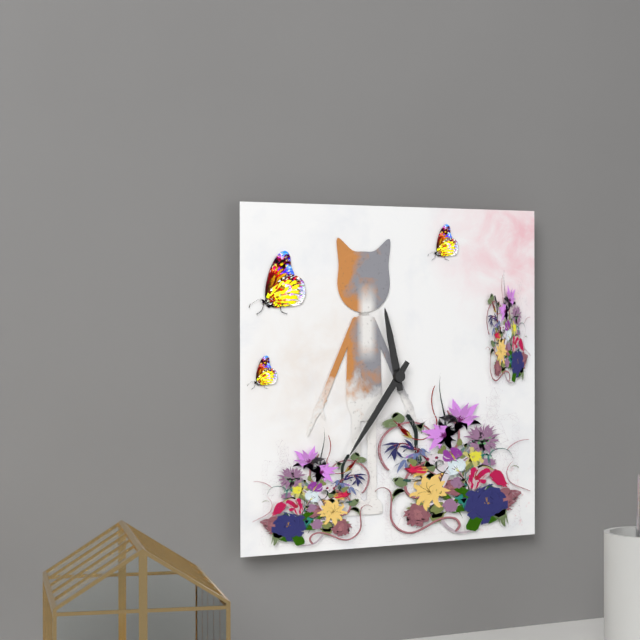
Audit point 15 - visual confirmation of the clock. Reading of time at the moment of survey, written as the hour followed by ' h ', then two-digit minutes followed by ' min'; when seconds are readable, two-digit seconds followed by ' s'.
11 h 36 min
